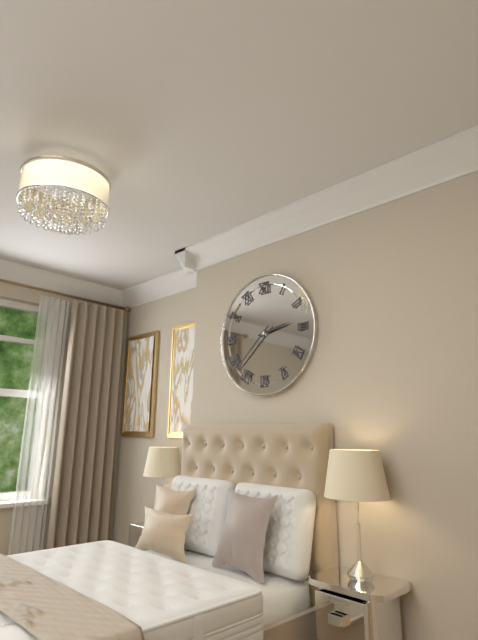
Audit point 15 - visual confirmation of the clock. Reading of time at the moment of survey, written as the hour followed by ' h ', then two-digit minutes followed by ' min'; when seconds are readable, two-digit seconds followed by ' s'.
2 h 38 min
